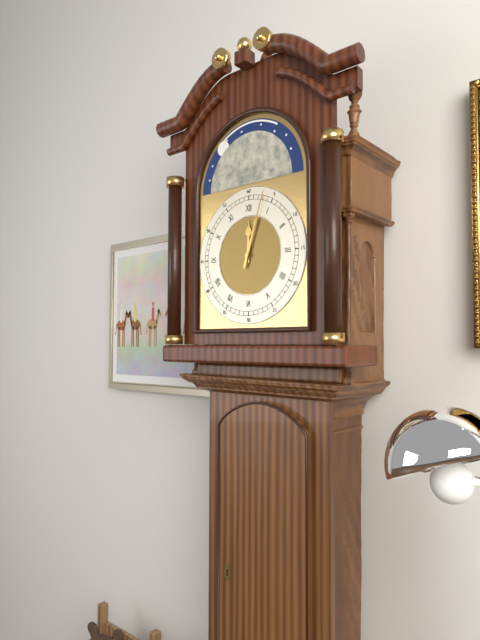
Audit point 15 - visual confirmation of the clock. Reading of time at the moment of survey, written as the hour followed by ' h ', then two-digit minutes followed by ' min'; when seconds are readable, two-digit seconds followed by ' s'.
12 h 03 min
